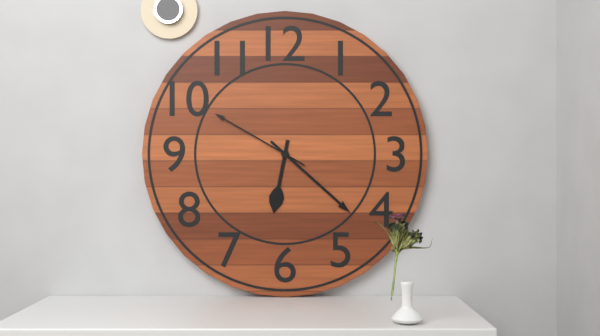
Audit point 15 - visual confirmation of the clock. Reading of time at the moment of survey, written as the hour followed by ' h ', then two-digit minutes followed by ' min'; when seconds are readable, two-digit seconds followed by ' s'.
6 h 22 min 50 s
